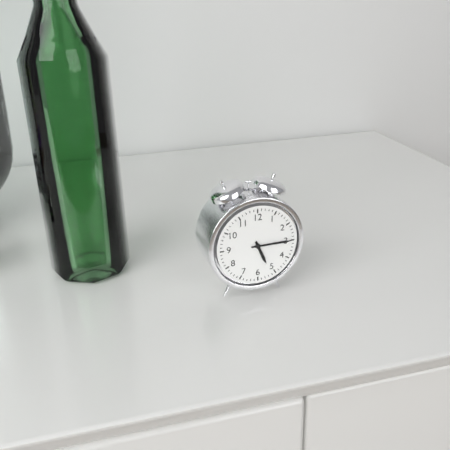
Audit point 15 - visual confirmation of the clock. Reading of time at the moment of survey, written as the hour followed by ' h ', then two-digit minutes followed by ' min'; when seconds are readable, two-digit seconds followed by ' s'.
5 h 15 min
